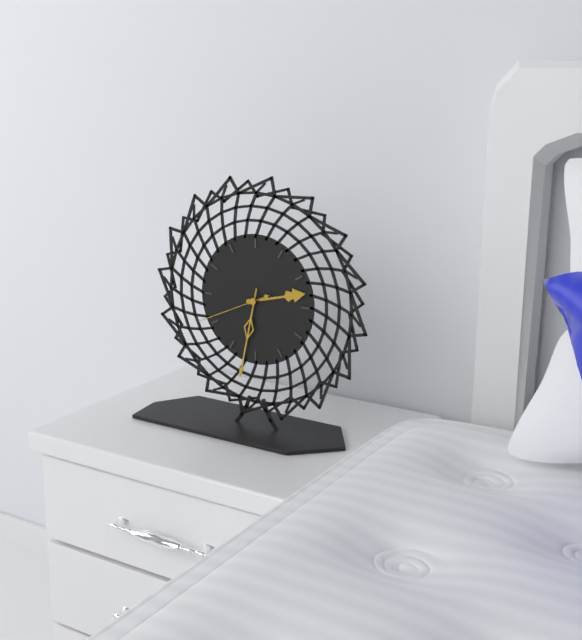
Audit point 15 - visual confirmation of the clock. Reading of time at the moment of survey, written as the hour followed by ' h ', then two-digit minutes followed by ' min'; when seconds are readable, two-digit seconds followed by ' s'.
2 h 32 min 41 s
